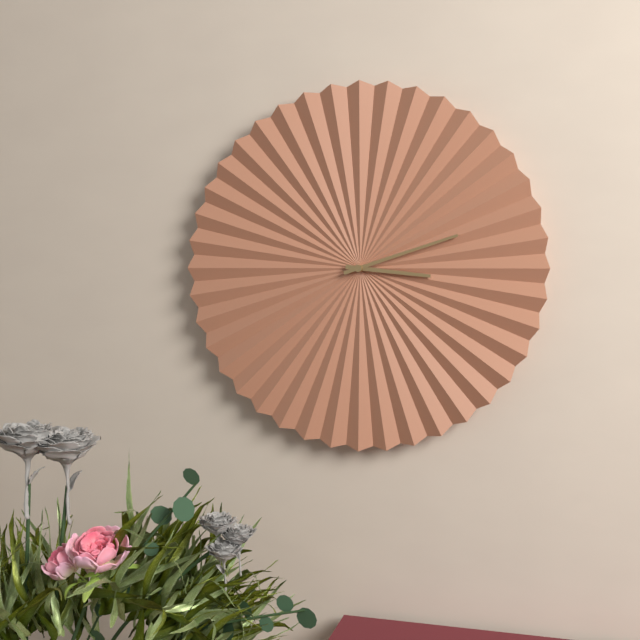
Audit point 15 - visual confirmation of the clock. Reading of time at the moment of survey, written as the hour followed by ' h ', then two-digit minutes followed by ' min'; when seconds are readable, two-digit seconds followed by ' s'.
3 h 12 min
